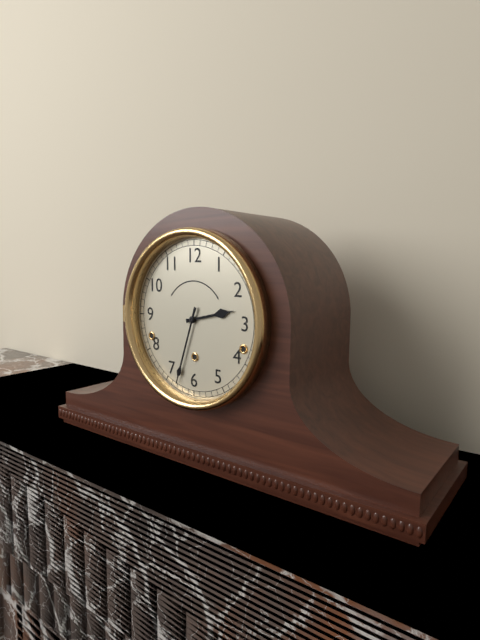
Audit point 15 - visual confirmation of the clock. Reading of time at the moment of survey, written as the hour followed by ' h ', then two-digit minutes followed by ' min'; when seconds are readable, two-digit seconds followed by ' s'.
2 h 33 min
